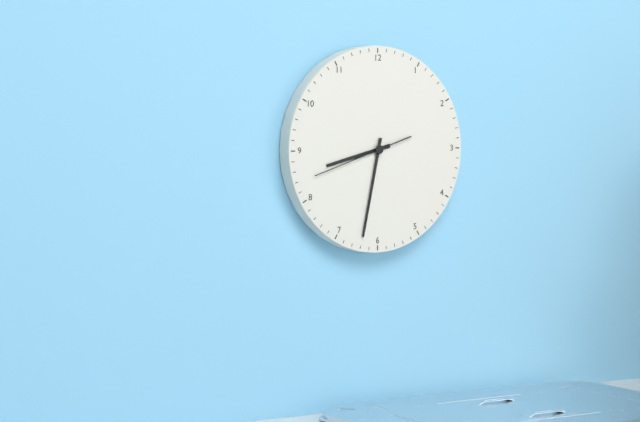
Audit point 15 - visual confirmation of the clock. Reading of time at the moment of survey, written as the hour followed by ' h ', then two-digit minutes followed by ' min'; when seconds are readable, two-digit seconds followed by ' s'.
8 h 32 min 42 s
